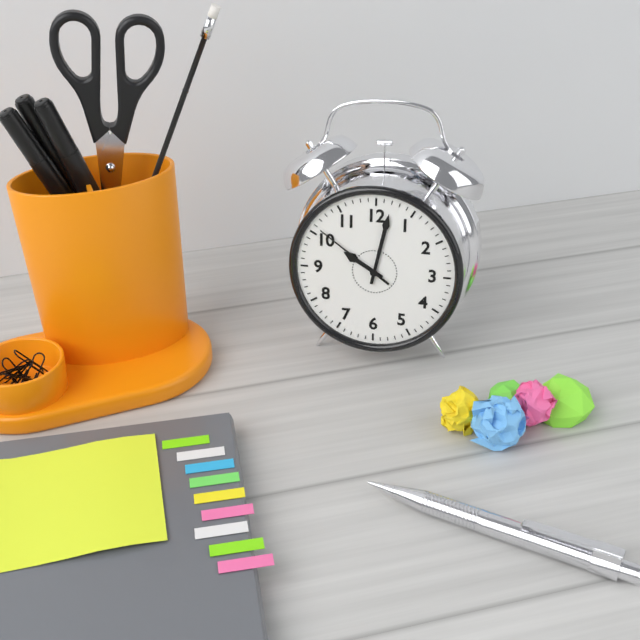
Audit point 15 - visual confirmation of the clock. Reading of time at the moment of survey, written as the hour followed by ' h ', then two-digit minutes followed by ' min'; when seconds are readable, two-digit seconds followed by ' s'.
10 h 02 min 51 s
